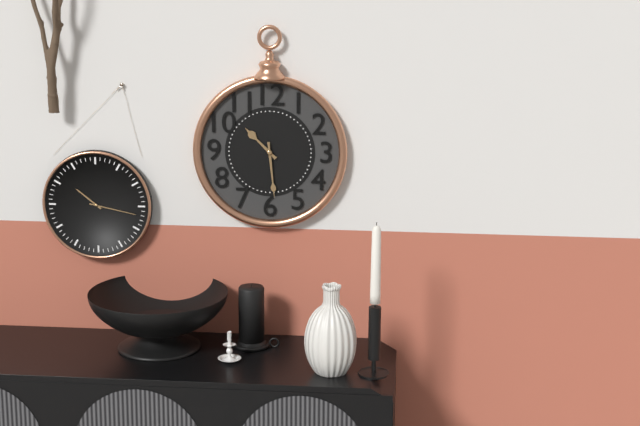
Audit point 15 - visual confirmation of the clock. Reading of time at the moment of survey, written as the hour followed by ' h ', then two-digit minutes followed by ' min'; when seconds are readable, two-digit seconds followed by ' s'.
10 h 29 min
